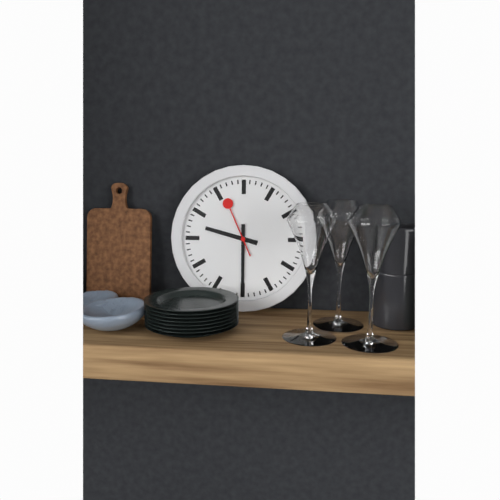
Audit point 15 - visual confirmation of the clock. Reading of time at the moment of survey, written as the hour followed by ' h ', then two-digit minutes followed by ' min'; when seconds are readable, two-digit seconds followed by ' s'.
9 h 30 min 56 s
